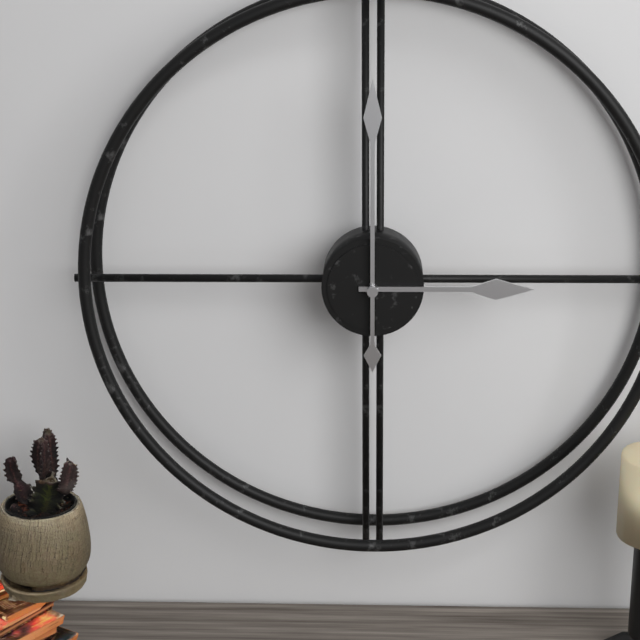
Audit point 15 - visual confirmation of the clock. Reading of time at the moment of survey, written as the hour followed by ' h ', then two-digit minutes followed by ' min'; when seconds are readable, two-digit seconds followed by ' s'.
3 h 00 min
